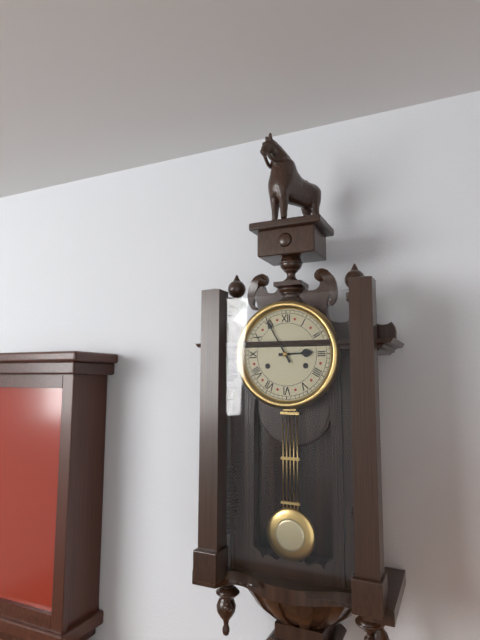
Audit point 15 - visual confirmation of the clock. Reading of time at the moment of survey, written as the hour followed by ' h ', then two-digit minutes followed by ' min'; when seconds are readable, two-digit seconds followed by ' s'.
2 h 55 min
